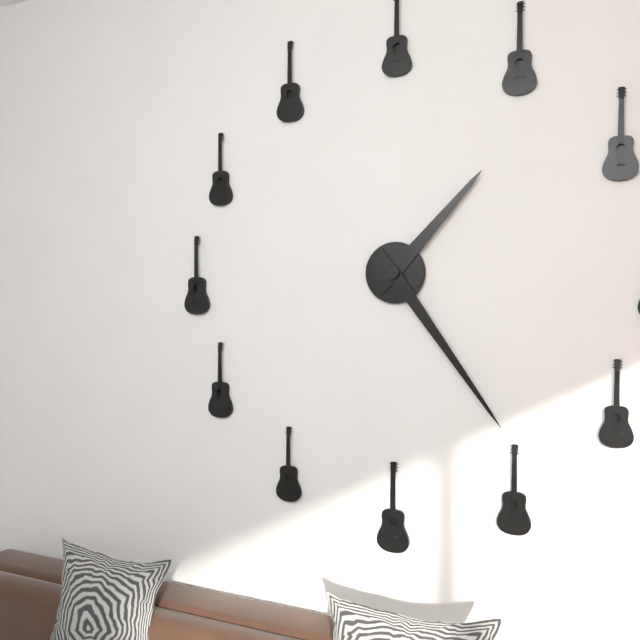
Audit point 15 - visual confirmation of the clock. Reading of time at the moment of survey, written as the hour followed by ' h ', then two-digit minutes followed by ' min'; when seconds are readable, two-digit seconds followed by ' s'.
1 h 24 min
